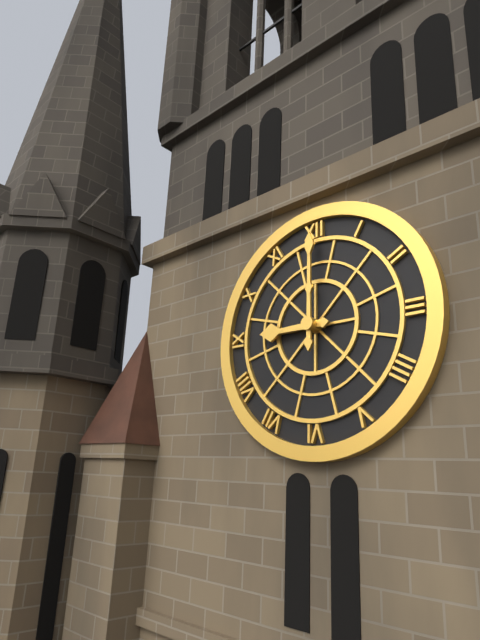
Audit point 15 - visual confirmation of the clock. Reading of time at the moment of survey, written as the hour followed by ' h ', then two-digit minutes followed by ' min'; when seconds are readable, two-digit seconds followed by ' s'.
9 h 00 min
